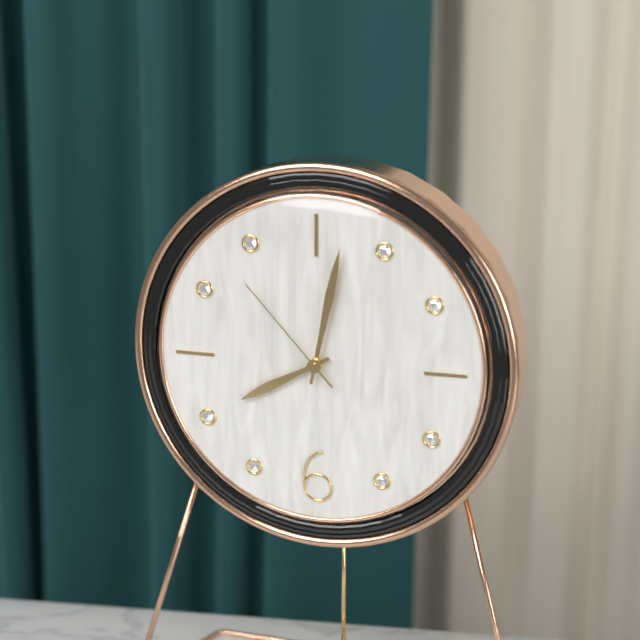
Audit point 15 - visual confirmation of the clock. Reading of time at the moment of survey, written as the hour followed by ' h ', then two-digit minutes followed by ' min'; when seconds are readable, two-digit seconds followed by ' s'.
8 h 02 min 53 s
